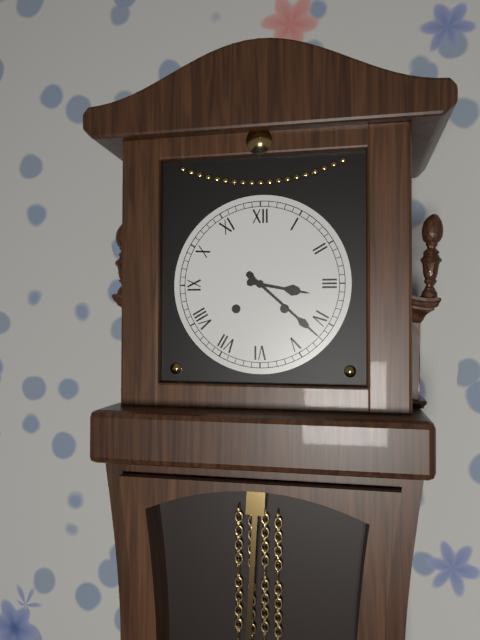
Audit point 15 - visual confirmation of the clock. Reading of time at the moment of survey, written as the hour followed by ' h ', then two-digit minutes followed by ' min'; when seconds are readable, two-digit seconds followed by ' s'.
3 h 22 min
